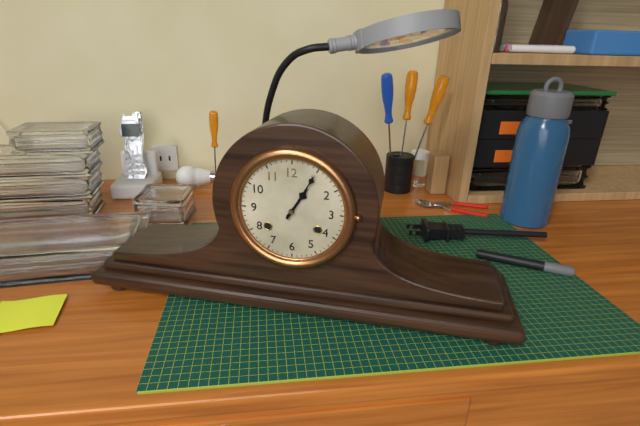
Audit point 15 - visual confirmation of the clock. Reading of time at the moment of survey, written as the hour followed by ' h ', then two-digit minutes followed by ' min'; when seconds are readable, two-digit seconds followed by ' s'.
1 h 05 min
